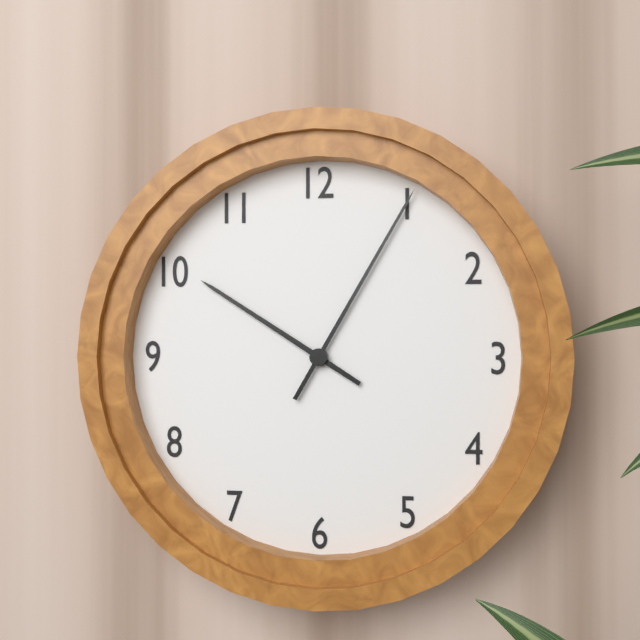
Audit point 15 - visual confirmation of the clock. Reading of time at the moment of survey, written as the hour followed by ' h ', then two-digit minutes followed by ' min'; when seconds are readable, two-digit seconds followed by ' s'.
10 h 05 min
